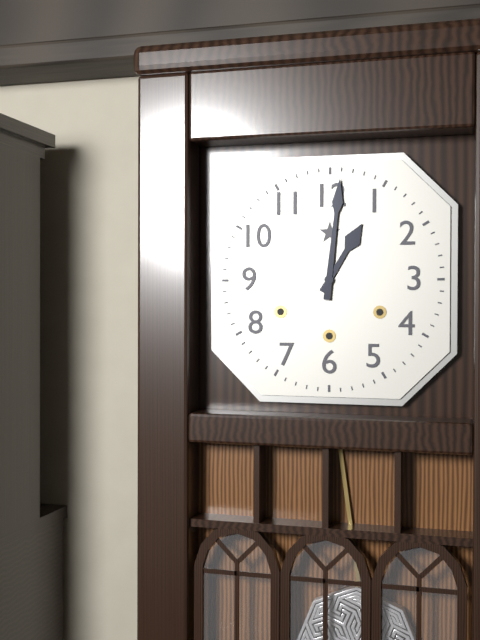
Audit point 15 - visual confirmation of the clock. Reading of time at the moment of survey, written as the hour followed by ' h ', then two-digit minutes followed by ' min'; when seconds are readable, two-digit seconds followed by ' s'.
1 h 01 min
